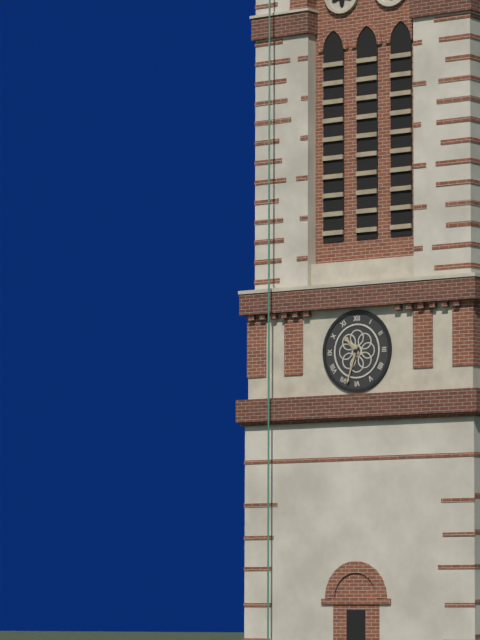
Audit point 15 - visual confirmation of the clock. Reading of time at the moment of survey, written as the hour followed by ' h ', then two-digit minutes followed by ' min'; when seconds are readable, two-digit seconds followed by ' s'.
10 h 33 min
